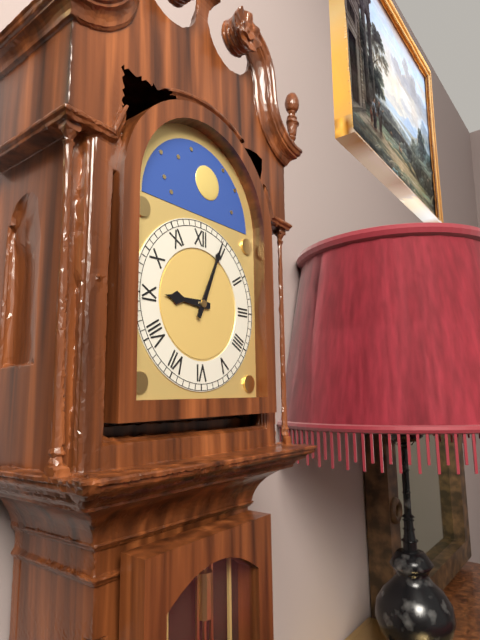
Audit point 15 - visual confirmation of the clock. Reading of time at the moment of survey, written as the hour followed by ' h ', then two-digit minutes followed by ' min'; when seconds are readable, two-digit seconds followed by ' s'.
9 h 04 min
